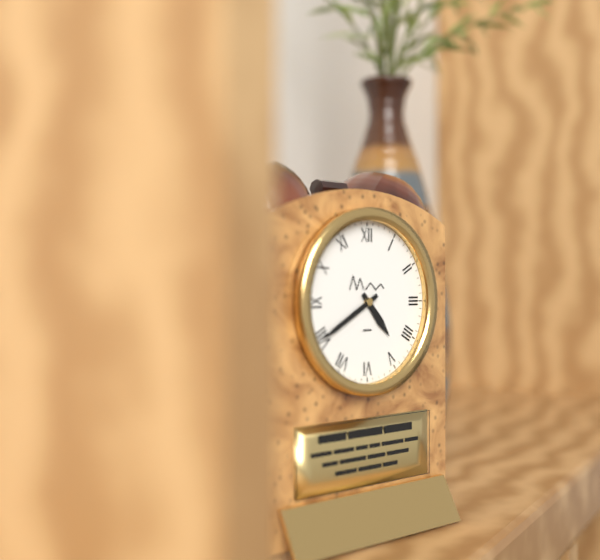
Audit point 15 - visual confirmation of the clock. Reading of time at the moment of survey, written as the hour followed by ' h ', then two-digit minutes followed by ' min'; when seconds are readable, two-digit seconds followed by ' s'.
4 h 40 min
